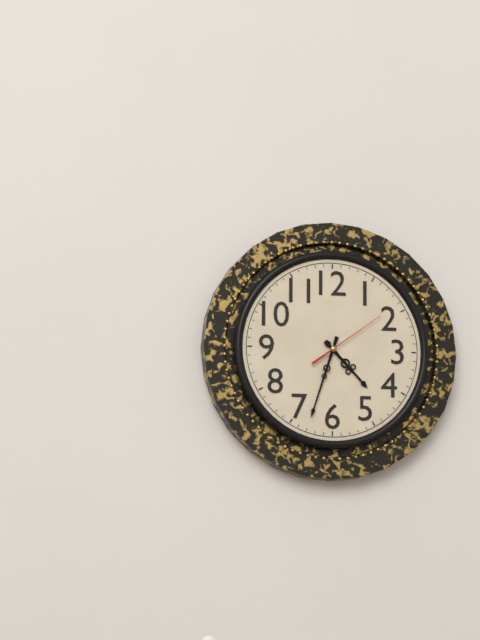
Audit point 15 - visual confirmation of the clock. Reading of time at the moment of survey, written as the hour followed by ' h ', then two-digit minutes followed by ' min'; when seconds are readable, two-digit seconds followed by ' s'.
4 h 33 min 09 s
